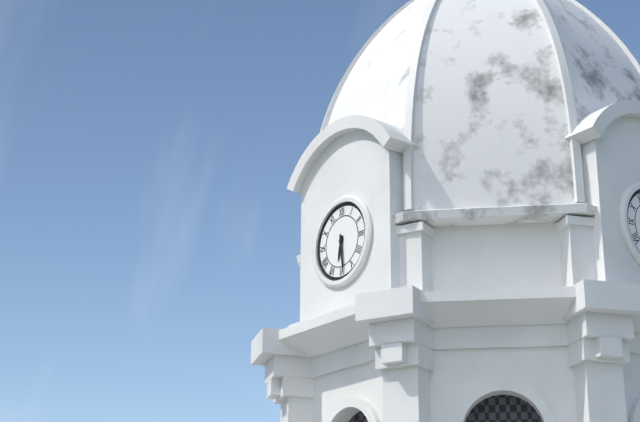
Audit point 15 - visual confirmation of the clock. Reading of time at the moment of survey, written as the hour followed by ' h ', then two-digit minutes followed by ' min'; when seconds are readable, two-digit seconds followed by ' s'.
6 h 29 min
